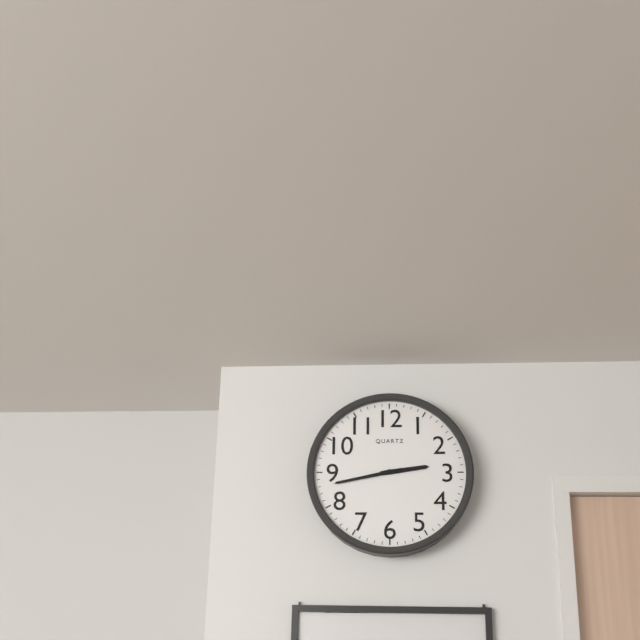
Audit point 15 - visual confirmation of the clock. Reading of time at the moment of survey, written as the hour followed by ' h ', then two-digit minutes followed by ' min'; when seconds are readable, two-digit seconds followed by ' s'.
2 h 43 min
